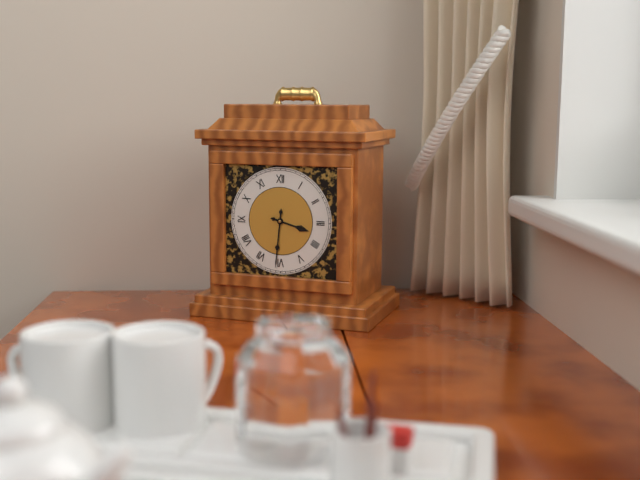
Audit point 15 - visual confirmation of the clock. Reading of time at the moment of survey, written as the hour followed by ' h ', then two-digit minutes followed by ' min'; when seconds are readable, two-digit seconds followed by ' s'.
3 h 31 min
